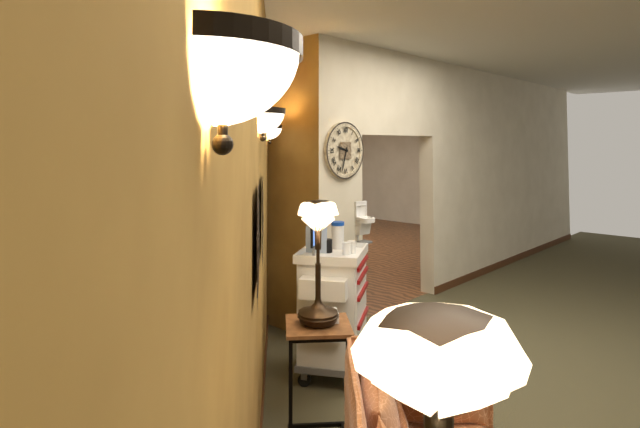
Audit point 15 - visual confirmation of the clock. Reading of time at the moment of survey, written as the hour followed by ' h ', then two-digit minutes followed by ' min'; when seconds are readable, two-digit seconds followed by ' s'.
9 h 33 min
